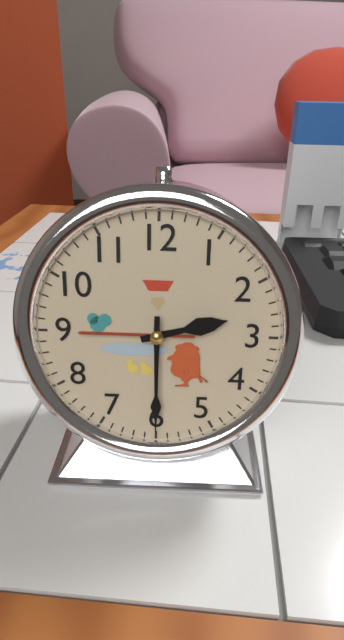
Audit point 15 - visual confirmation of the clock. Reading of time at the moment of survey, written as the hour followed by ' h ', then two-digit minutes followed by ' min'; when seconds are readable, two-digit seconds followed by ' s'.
2 h 30 min
